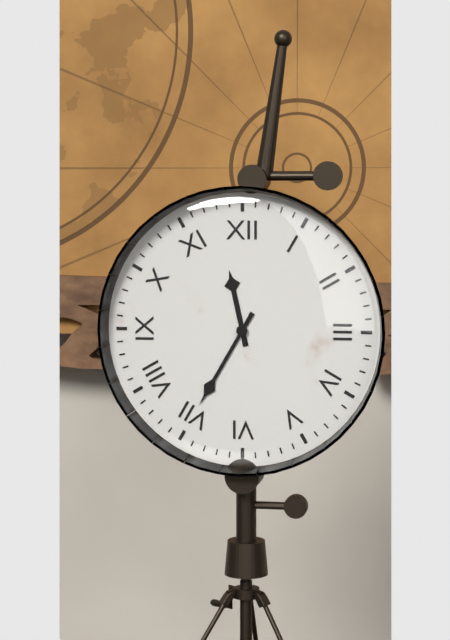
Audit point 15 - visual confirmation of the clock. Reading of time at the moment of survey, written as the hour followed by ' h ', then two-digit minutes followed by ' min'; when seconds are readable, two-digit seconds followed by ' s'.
11 h 35 min
